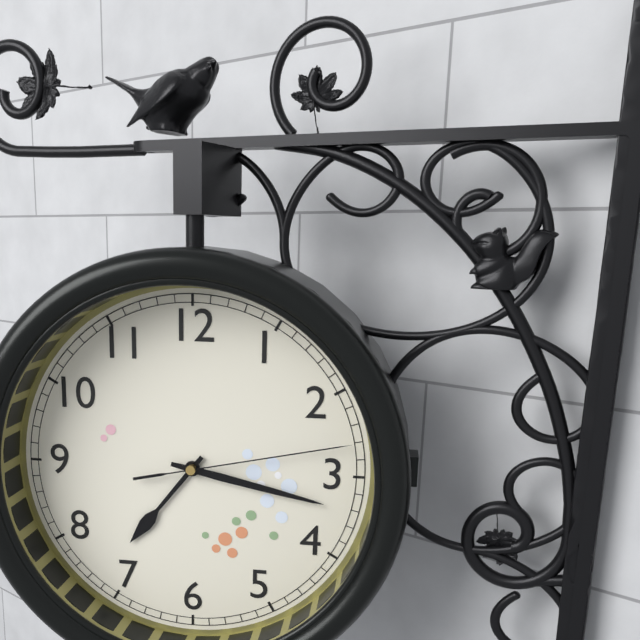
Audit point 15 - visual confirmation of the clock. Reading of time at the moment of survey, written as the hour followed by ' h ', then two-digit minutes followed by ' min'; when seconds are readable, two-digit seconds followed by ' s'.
7 h 17 min 13 s
